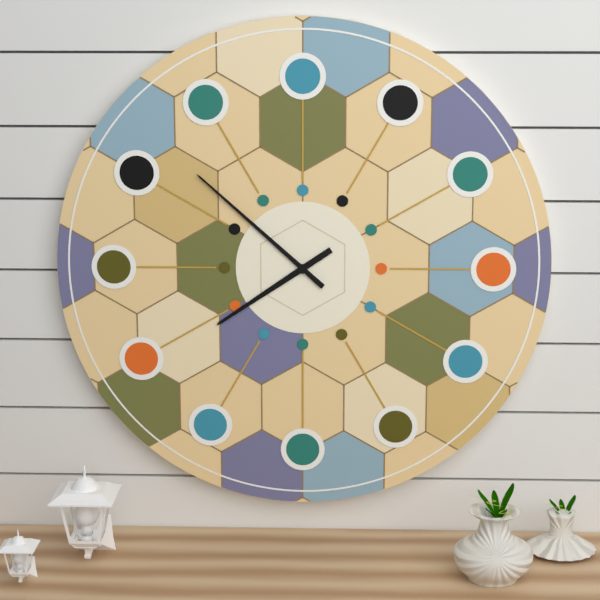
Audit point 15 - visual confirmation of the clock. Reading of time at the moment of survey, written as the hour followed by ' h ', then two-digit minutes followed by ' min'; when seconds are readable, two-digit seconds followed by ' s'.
7 h 52 min
